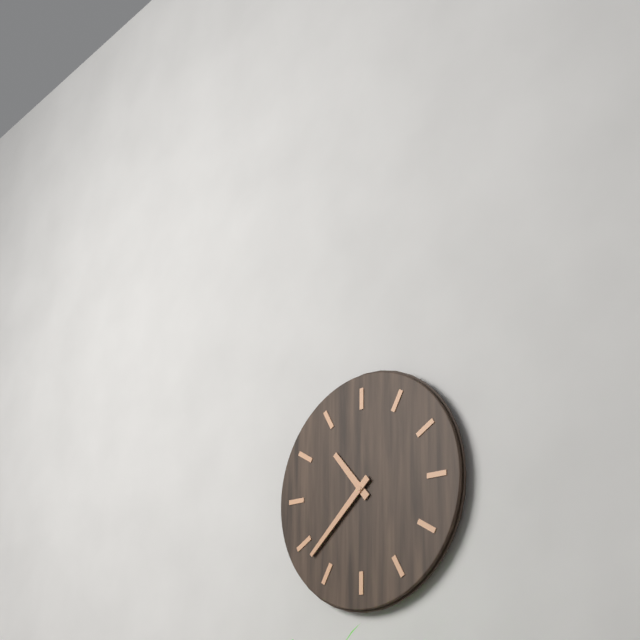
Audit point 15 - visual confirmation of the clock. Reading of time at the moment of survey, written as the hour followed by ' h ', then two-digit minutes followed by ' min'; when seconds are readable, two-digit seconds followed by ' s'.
10 h 38 min
